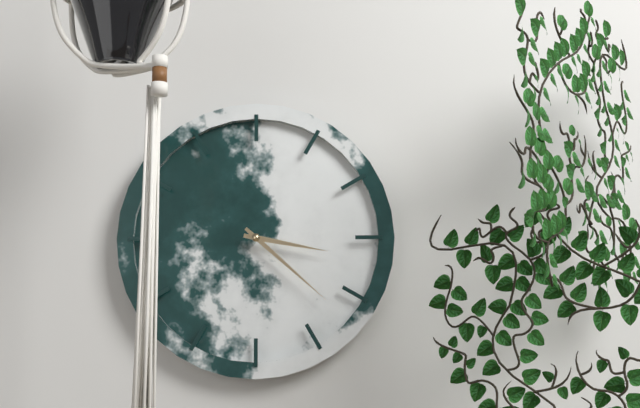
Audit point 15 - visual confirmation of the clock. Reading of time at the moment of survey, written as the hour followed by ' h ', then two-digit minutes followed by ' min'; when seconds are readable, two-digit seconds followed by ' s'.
3 h 22 min
